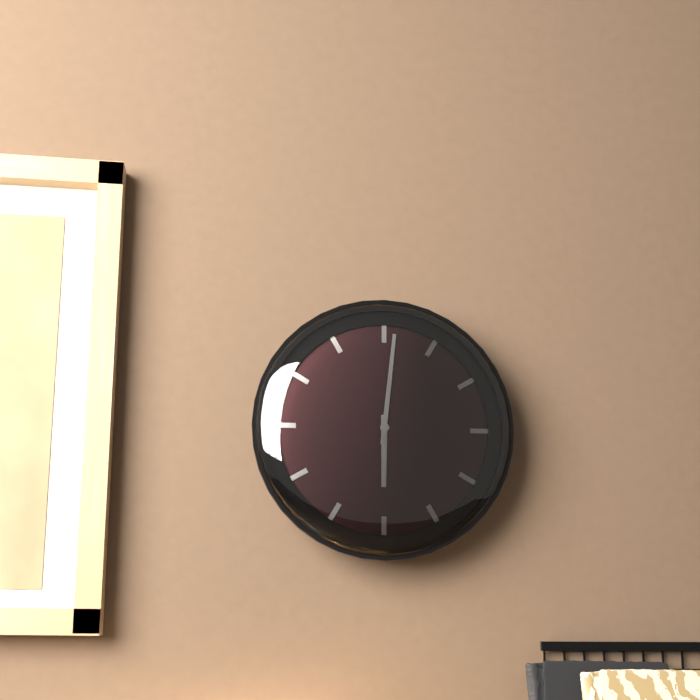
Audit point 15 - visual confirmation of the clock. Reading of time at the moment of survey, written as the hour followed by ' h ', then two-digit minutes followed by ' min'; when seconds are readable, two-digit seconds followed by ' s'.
6 h 01 min
